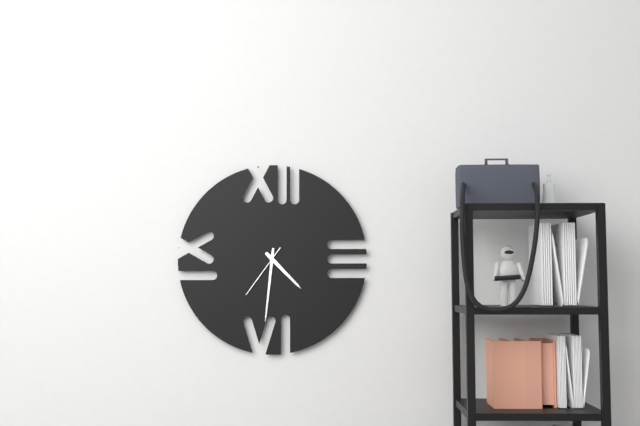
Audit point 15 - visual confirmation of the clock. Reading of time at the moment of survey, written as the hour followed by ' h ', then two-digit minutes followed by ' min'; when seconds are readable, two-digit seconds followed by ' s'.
4 h 31 min 36 s
